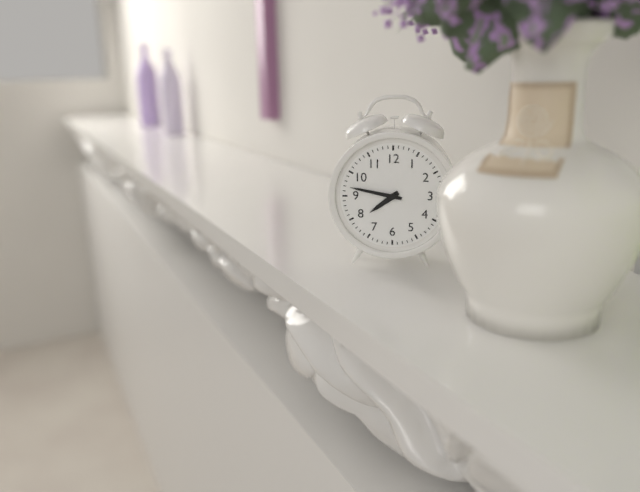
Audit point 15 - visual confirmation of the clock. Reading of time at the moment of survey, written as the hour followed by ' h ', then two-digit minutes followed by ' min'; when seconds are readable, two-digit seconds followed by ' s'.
7 h 47 min
